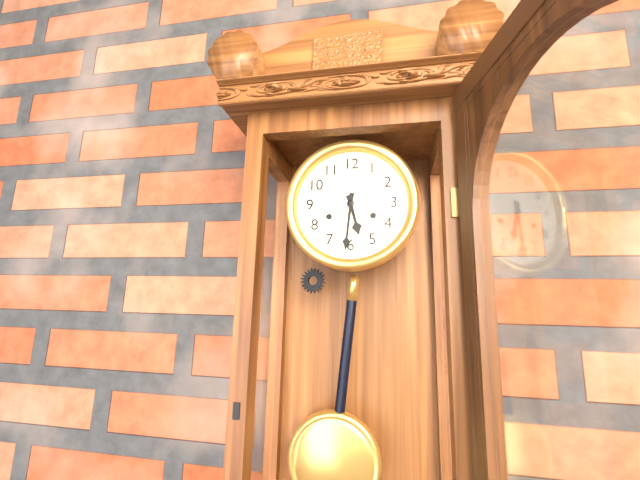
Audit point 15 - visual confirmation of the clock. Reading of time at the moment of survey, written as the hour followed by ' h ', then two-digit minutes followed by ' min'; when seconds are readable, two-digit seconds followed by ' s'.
5 h 31 min
